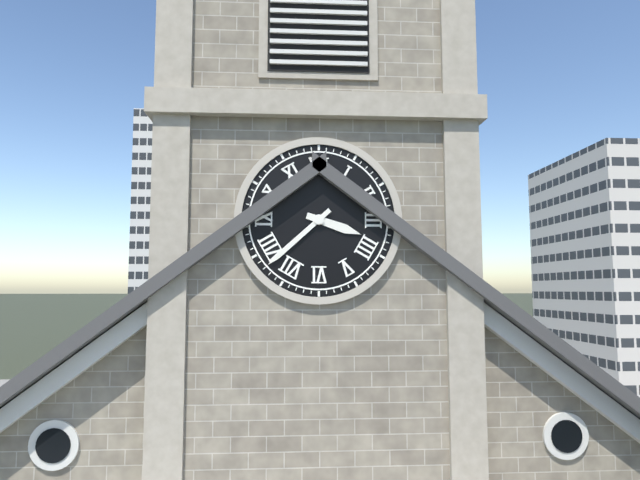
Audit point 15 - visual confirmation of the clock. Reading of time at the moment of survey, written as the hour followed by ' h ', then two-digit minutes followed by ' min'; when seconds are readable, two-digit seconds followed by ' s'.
3 h 38 min
